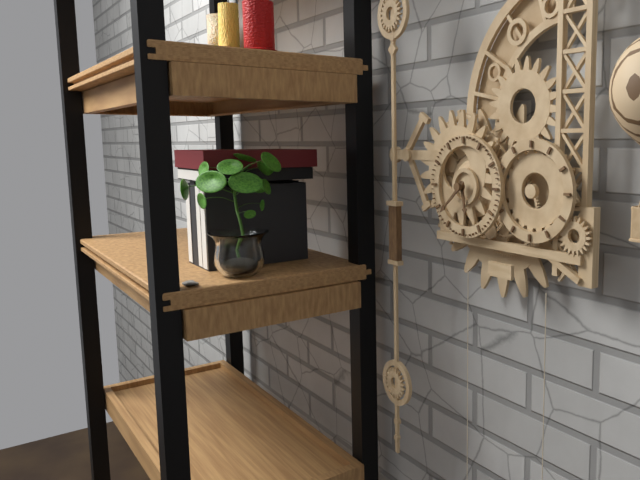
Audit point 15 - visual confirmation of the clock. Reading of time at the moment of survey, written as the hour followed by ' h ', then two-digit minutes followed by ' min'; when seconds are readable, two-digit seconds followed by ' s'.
5 h 38 min
